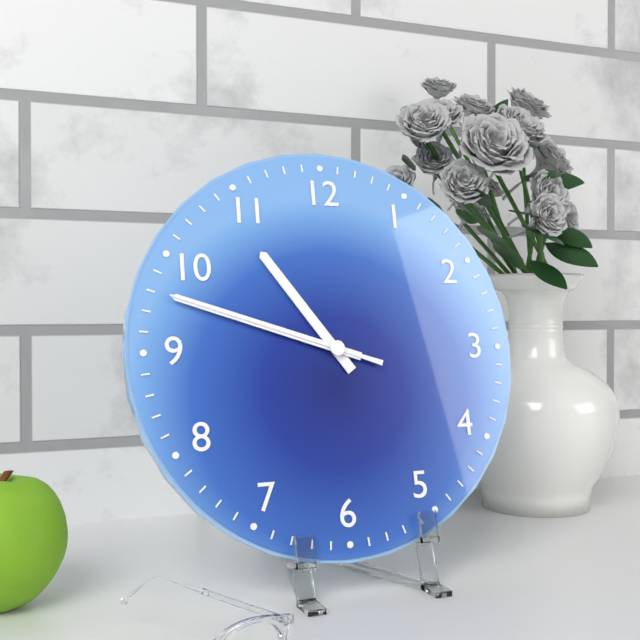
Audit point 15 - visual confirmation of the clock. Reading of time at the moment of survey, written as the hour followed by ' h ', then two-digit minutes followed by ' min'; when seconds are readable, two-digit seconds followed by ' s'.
10 h 48 min 48 s
